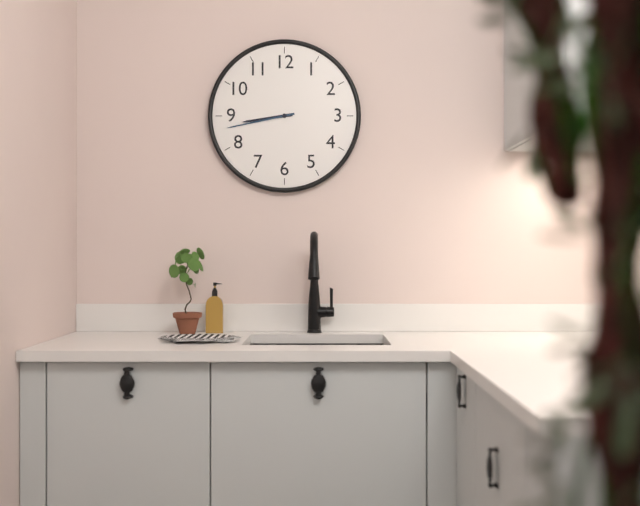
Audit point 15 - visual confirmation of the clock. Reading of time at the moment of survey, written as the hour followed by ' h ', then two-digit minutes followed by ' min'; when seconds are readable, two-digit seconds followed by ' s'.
8 h 43 min
